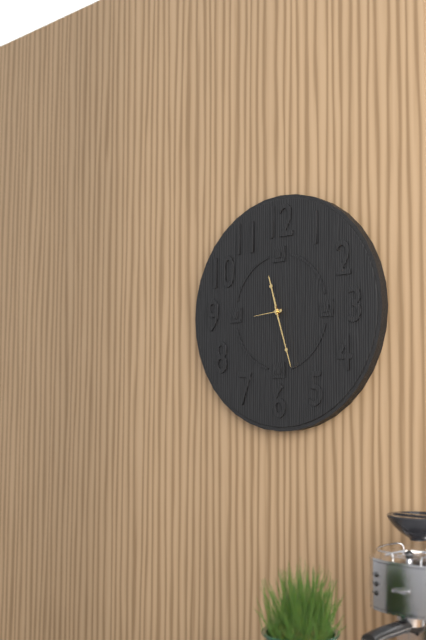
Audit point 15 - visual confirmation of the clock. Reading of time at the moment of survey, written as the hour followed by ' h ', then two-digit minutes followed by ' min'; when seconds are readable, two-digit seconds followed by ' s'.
11 h 27 min
